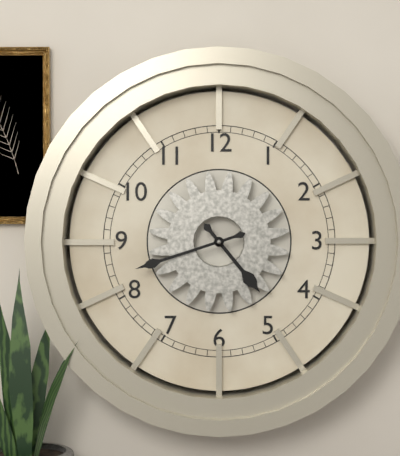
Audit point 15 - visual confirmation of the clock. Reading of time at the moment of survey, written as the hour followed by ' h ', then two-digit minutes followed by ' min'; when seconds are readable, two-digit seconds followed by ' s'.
4 h 42 min
